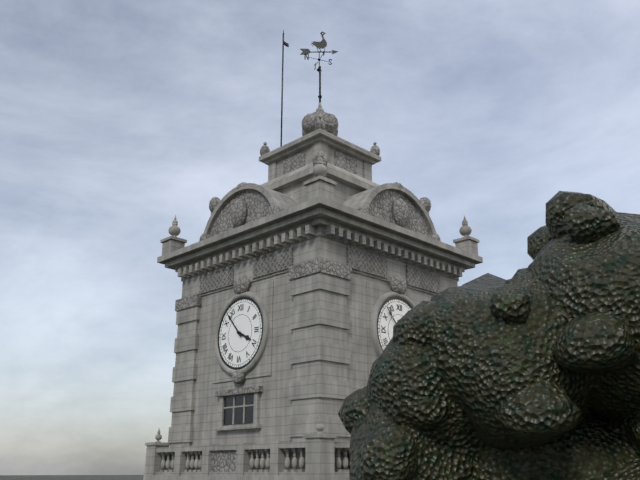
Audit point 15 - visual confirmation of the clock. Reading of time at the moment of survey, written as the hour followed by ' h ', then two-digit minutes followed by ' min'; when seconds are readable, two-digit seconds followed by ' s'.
3 h 53 min
